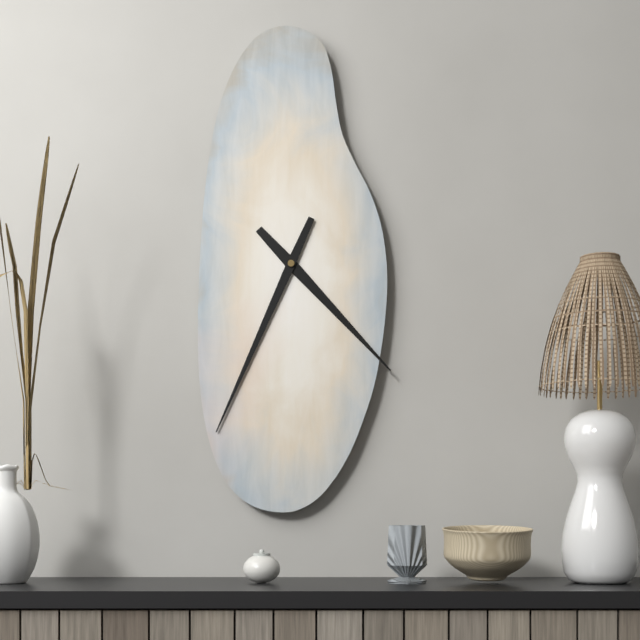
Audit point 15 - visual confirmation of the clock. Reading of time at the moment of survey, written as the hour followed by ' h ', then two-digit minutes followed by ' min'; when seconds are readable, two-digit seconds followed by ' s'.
4 h 34 min
